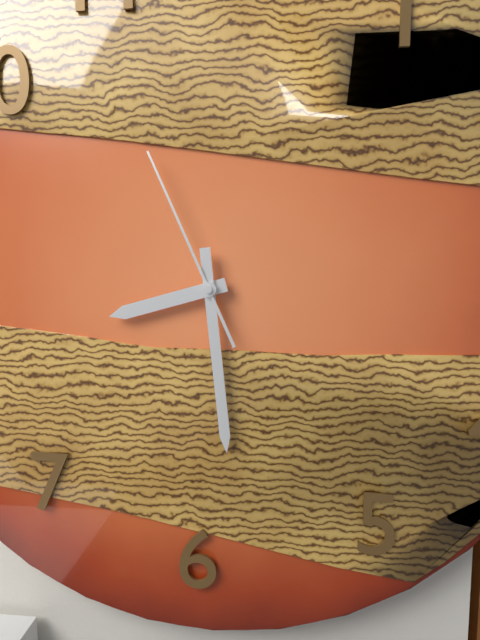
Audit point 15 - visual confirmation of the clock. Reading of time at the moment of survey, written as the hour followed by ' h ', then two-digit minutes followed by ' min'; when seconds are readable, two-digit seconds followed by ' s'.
8 h 29 min 56 s
